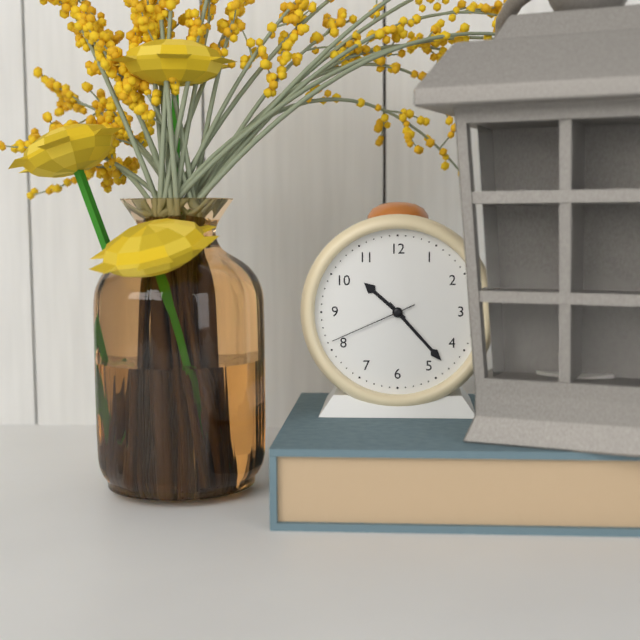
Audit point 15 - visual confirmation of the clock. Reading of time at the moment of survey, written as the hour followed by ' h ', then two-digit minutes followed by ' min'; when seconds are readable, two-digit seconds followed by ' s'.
10 h 23 min 41 s
